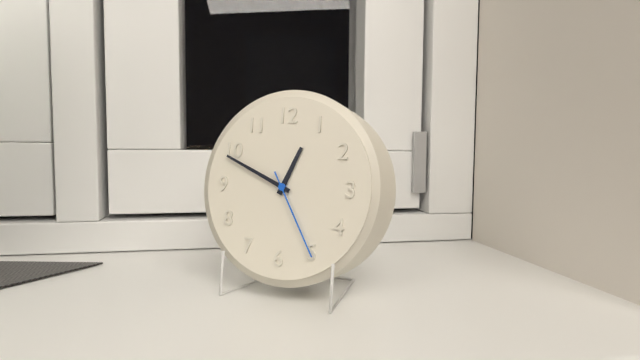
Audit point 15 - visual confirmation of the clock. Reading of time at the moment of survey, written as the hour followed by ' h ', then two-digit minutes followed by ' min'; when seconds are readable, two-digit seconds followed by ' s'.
12 h 49 min 25 s
